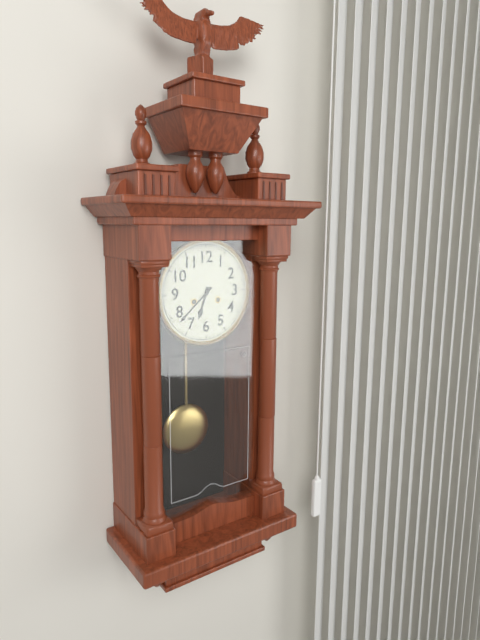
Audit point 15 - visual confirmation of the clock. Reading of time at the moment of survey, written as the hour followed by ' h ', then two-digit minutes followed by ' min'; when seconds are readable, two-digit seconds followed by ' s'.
6 h 38 min
